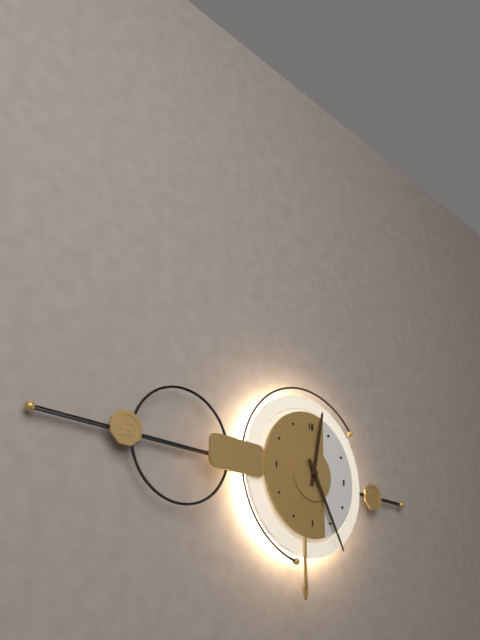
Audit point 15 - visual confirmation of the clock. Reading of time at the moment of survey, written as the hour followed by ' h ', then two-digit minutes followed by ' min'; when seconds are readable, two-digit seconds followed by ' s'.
12 h 25 min
